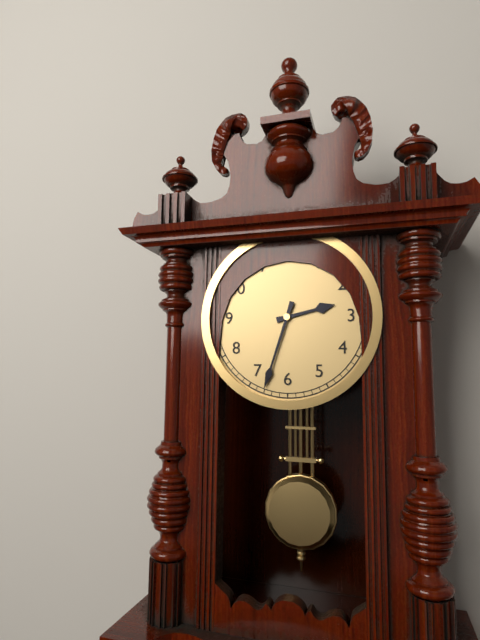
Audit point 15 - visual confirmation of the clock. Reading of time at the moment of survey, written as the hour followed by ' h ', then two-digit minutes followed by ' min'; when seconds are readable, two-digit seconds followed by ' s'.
2 h 33 min
